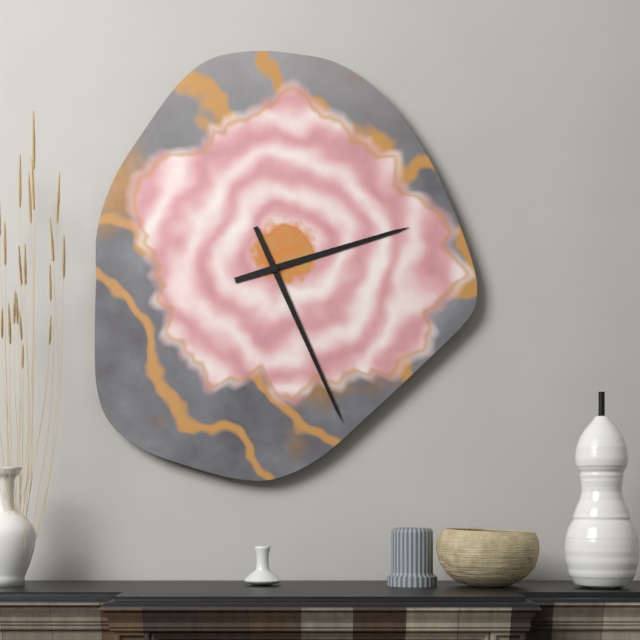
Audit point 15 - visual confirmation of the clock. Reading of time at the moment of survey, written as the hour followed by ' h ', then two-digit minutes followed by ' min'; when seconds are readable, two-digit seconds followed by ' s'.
2 h 26 min
